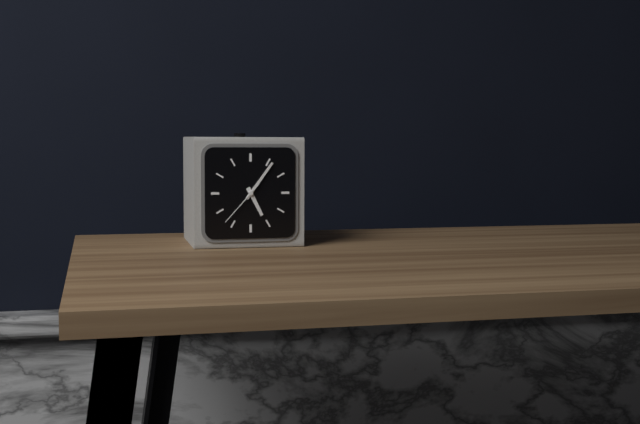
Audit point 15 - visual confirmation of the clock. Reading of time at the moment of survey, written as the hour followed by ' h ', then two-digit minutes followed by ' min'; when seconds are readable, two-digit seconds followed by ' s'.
5 h 06 min
